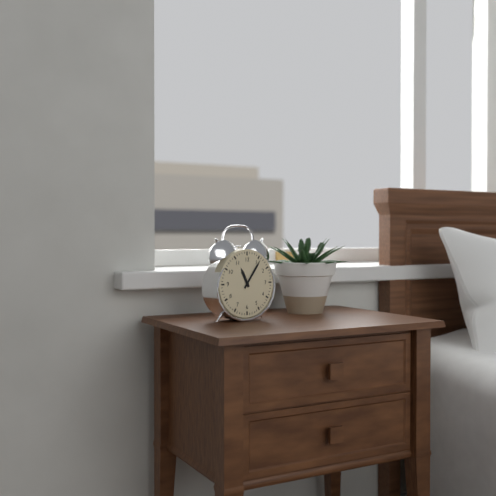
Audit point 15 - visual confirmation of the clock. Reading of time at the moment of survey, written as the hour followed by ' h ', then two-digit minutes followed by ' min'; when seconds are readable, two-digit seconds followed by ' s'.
11 h 06 min
